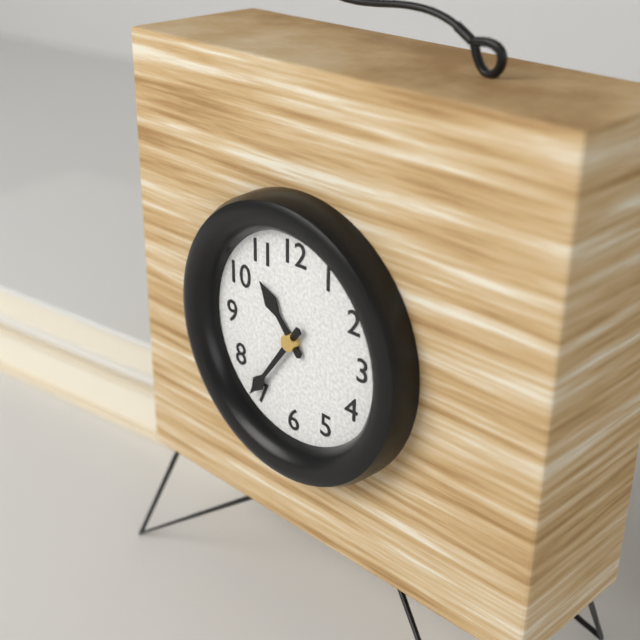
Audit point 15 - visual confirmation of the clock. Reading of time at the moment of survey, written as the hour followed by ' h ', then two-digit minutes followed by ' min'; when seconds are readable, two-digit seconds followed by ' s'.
10 h 36 min
